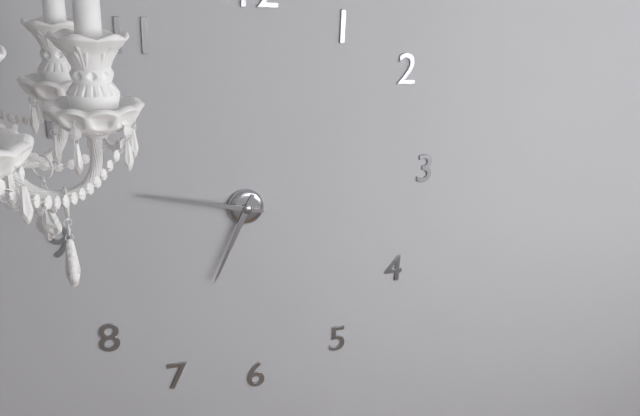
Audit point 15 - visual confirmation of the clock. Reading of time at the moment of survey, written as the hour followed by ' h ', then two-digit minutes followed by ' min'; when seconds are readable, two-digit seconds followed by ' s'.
6 h 47 min
